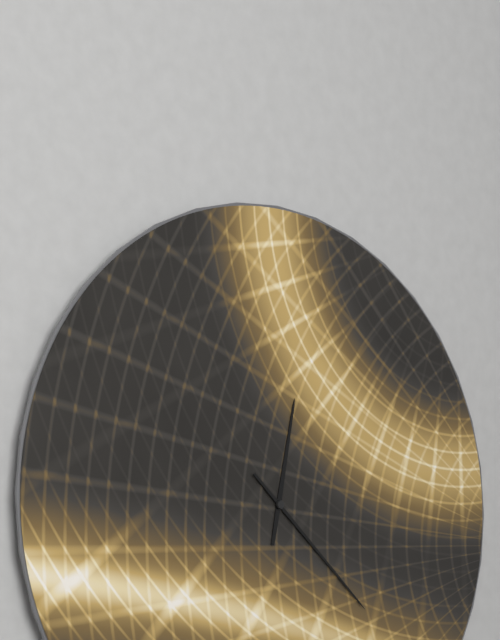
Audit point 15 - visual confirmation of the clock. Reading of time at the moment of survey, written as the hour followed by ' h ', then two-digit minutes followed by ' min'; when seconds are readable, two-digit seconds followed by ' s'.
12 h 22 min
